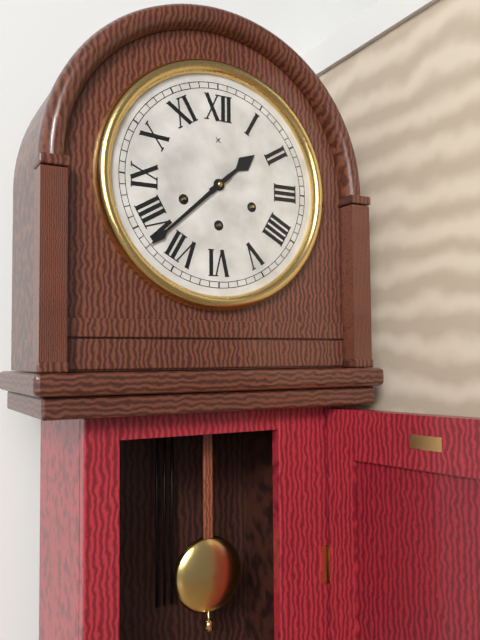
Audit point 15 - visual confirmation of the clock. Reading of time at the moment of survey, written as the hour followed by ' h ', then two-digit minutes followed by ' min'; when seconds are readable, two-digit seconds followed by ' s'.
1 h 38 min
